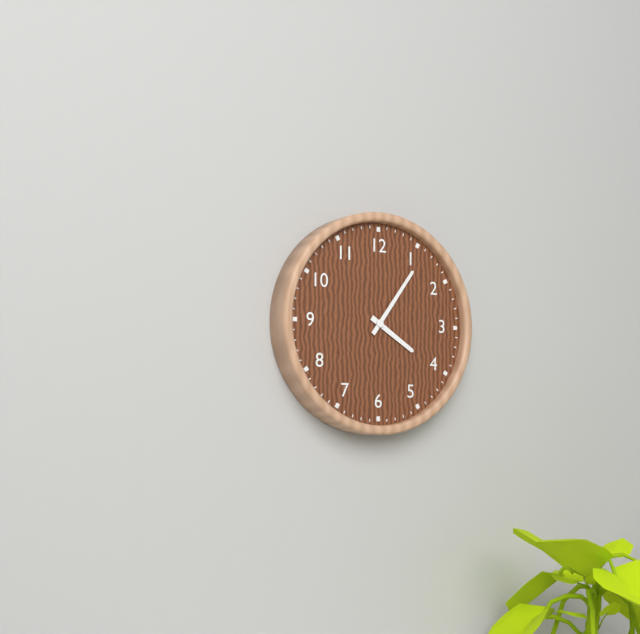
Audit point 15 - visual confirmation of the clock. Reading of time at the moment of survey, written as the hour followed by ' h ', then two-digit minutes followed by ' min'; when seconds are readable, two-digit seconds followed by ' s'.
4 h 06 min
